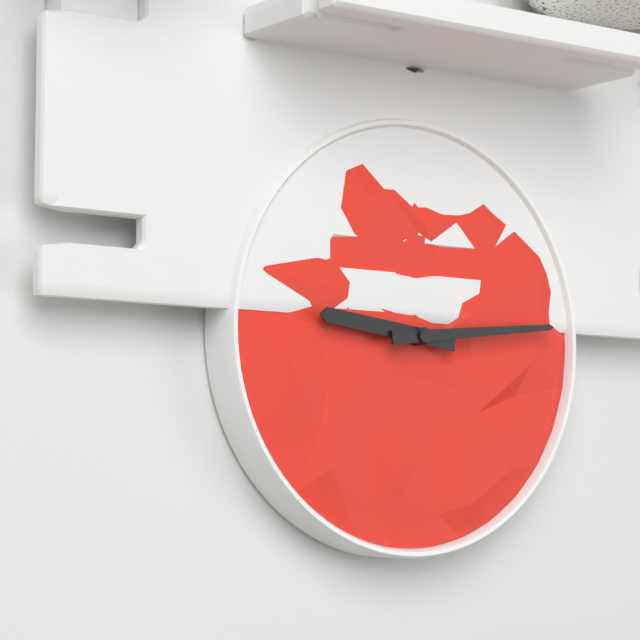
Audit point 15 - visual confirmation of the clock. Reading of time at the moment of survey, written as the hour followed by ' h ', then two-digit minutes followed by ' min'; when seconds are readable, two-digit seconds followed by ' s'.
9 h 14 min
